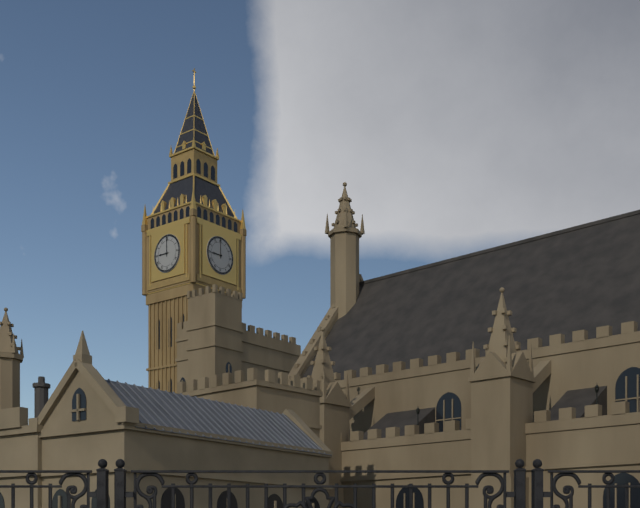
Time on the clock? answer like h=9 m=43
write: h=9 m=0
